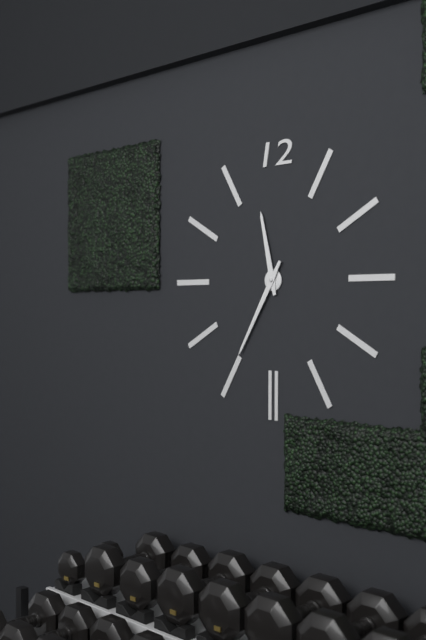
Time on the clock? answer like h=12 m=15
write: h=11 m=35
